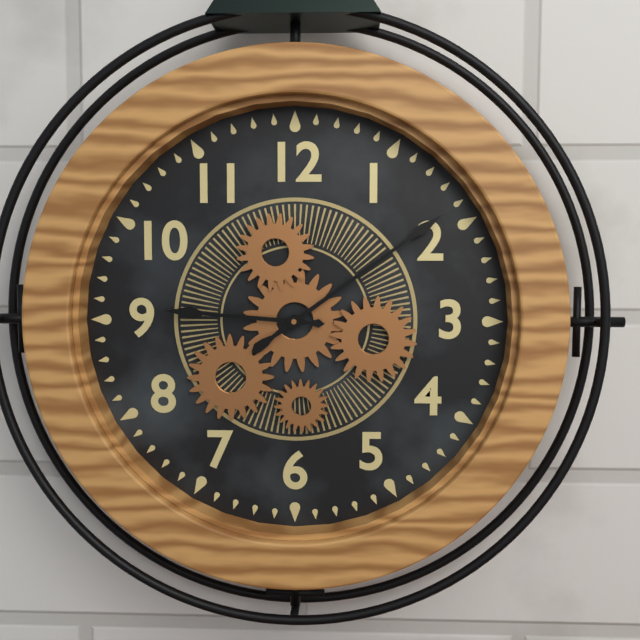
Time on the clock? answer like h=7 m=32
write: h=9 m=9
